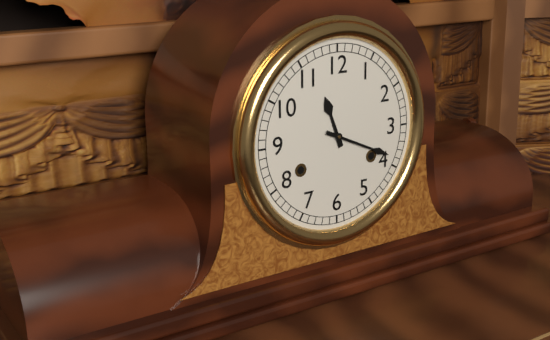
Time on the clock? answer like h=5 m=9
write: h=11 m=19
